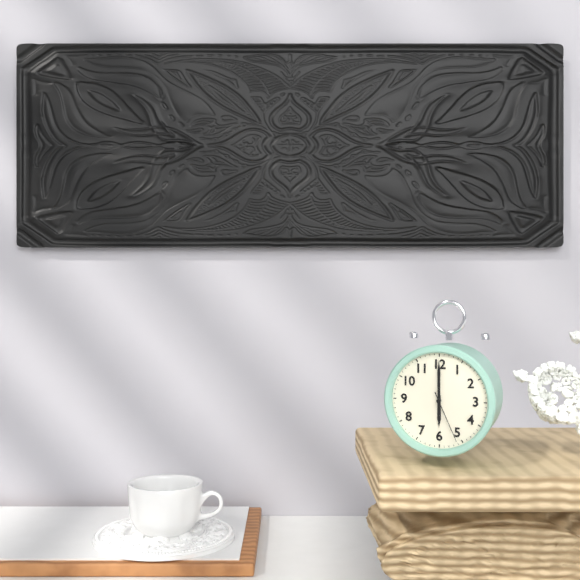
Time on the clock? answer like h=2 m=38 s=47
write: h=6 m=0 s=26
